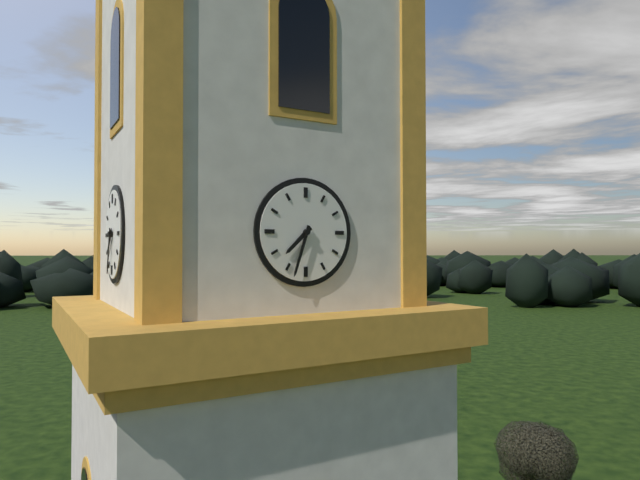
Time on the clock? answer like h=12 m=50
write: h=7 m=33
